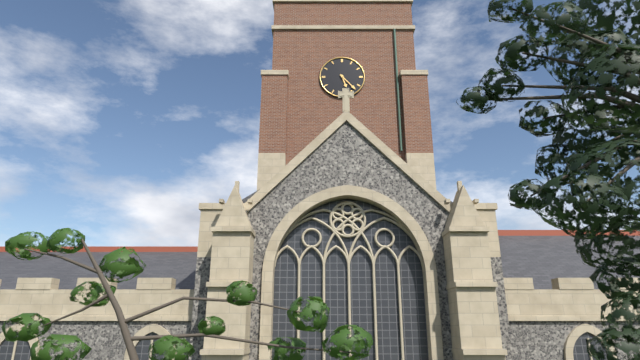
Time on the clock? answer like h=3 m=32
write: h=5 m=23
